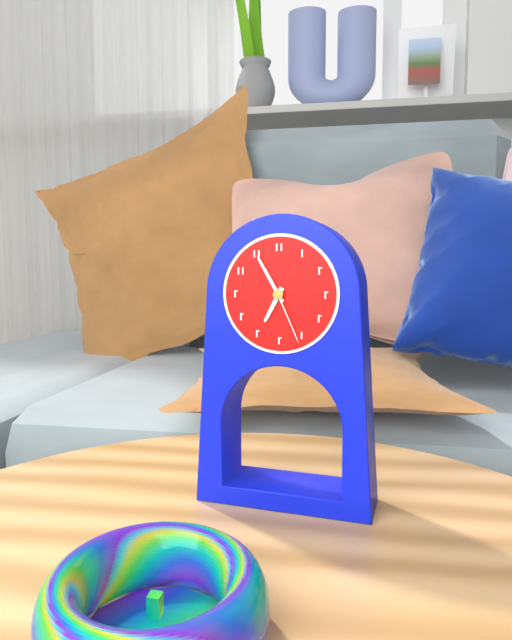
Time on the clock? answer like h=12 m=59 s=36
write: h=6 m=55 s=26
